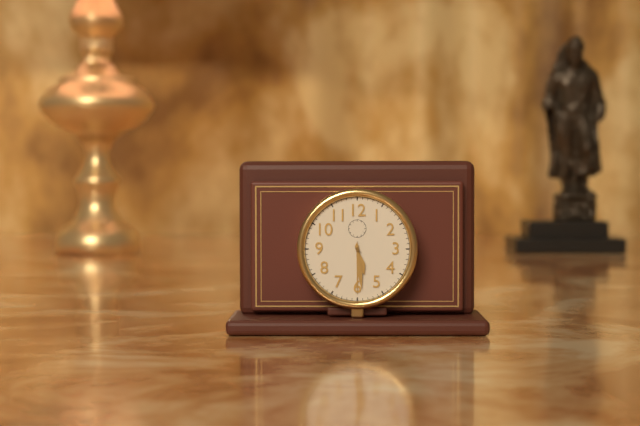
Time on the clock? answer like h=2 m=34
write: h=5 m=29
